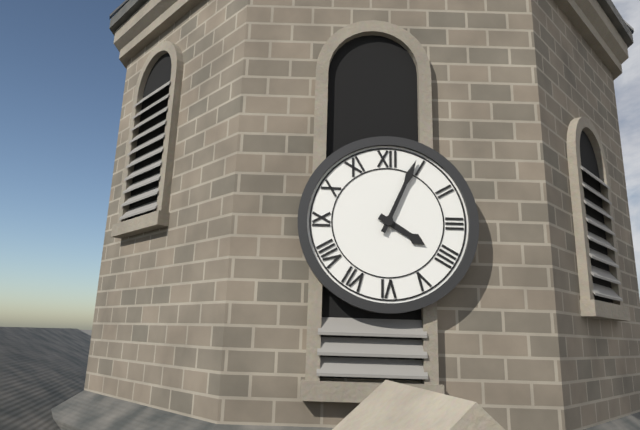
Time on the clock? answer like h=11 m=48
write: h=4 m=4
